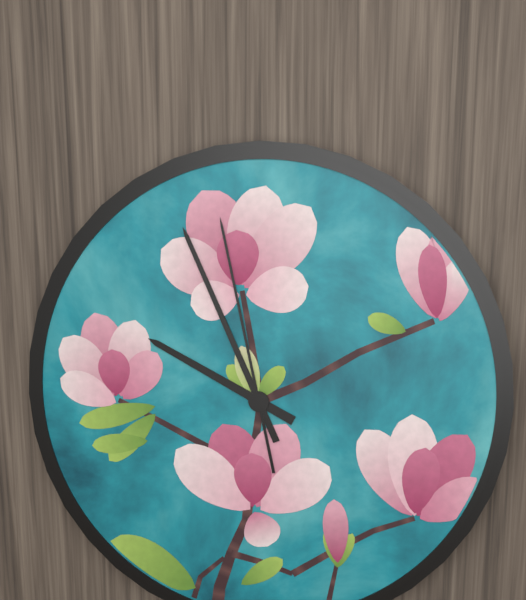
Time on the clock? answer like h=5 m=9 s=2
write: h=9 m=56 s=58
